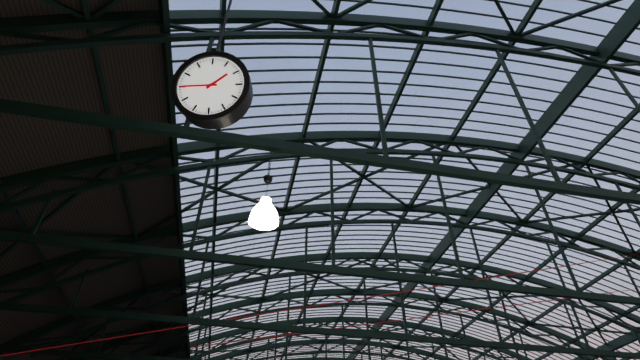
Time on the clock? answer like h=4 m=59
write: h=1 m=45
